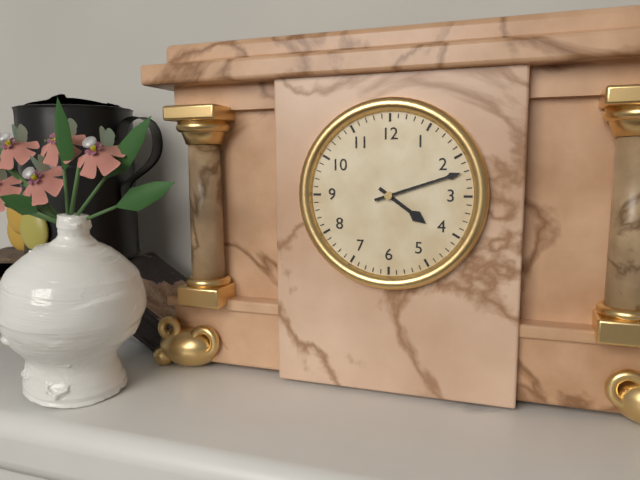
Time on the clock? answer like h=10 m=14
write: h=4 m=12
